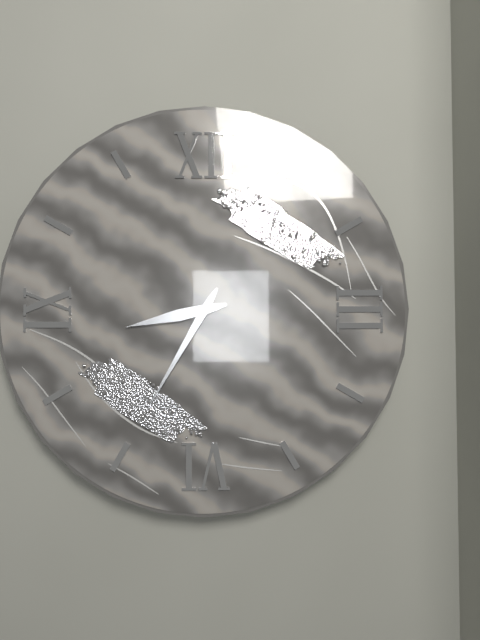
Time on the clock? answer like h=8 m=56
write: h=8 m=35
